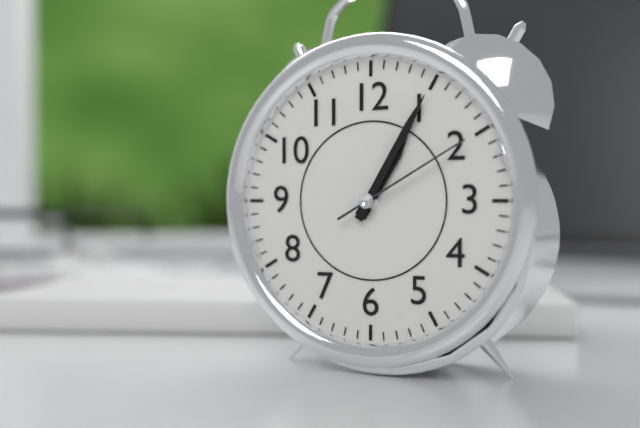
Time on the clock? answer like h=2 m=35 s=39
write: h=1 m=5 s=10
